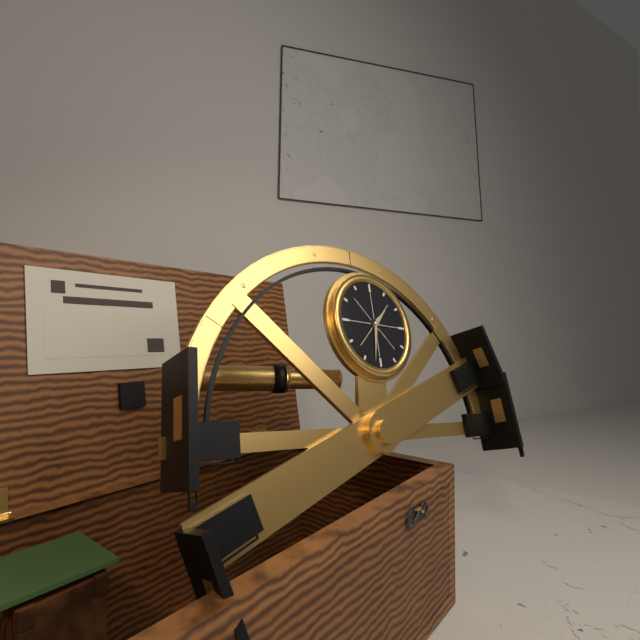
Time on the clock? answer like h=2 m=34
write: h=1 m=32
